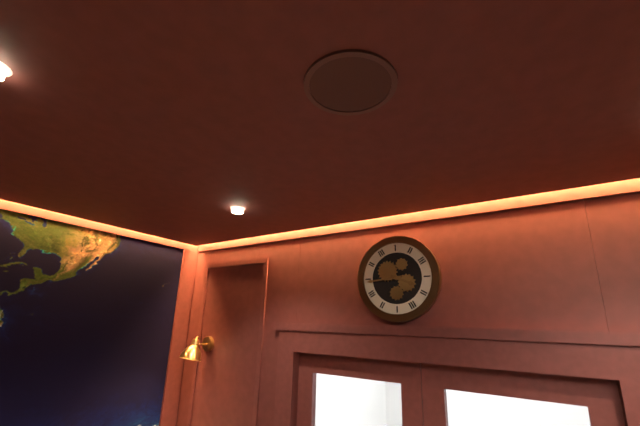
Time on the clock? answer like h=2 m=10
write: h=3 m=44
